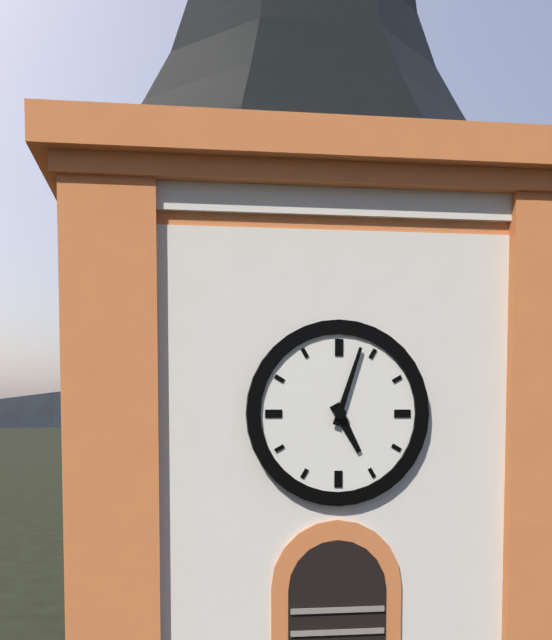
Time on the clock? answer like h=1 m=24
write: h=5 m=3
